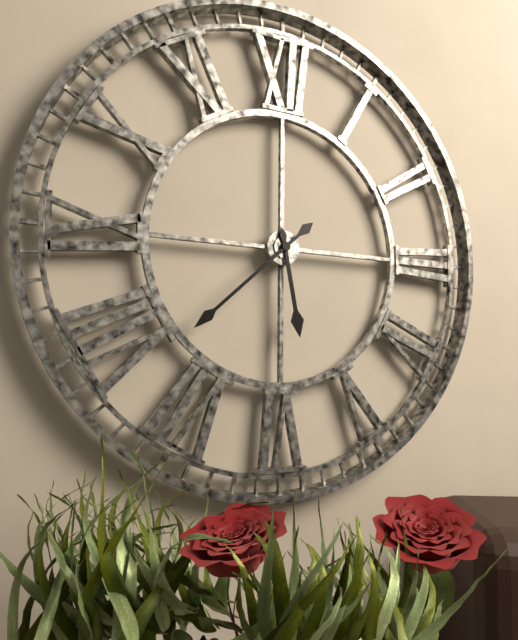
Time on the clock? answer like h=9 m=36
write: h=5 m=38
